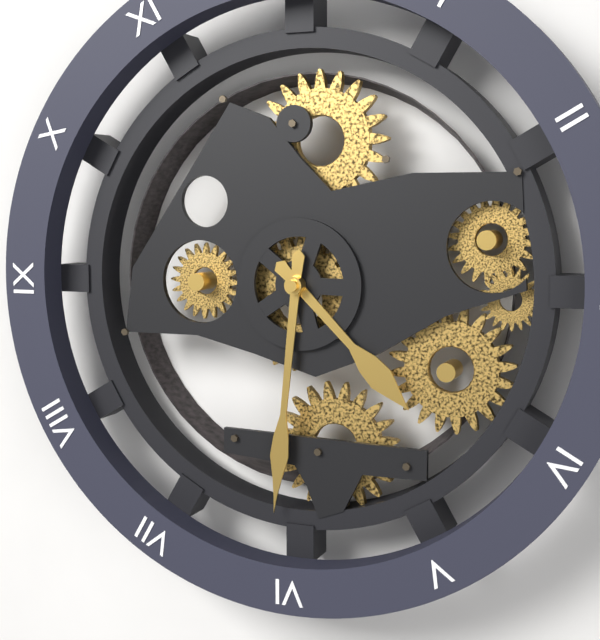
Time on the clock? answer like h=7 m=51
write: h=4 m=31
